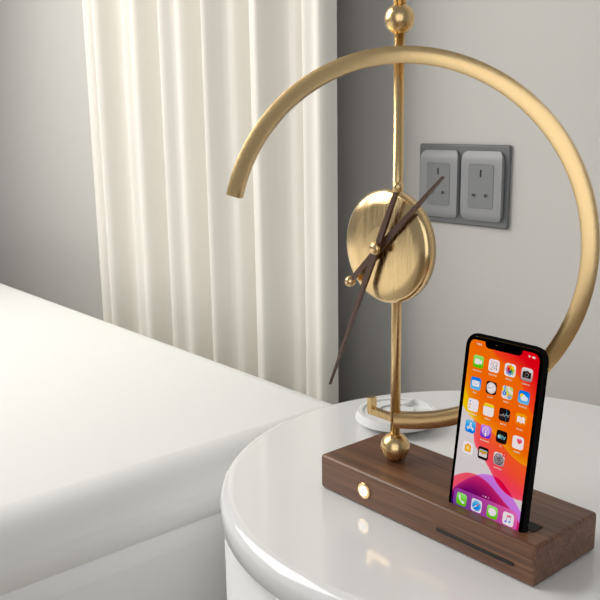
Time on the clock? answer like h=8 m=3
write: h=1 m=34
